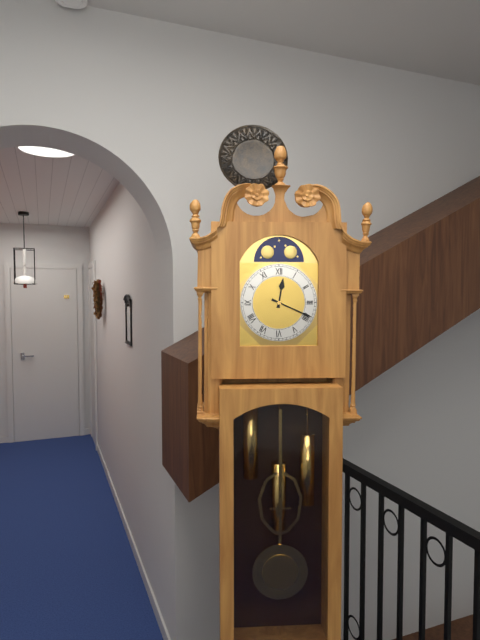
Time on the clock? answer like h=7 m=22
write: h=12 m=19
